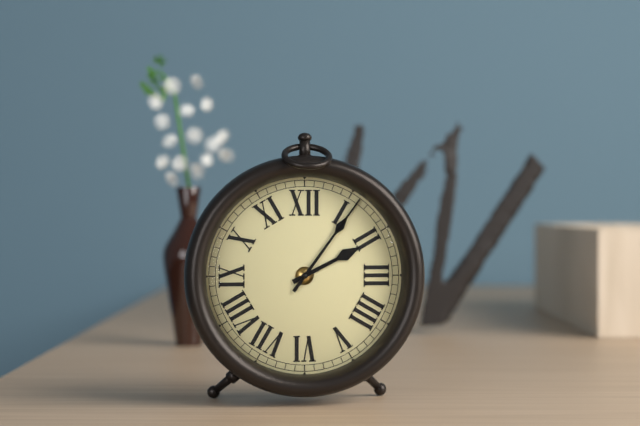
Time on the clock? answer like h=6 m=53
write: h=2 m=6
